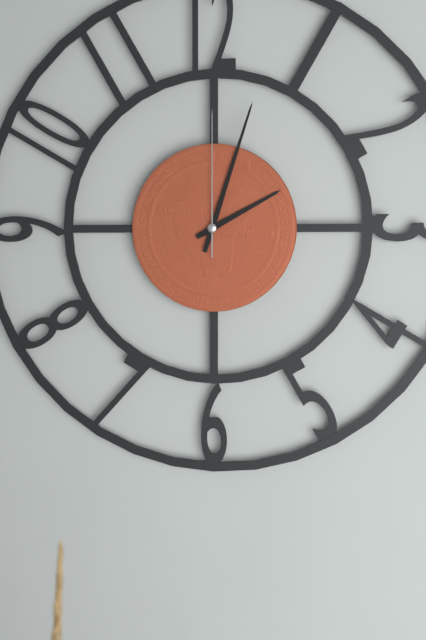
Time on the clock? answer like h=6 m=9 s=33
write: h=2 m=3 s=0
